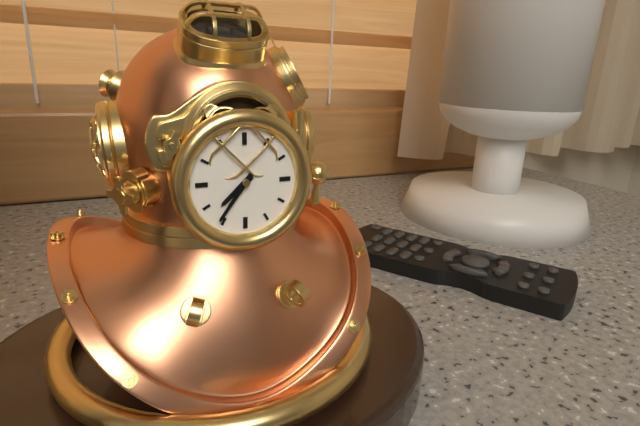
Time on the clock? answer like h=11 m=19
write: h=7 m=36
